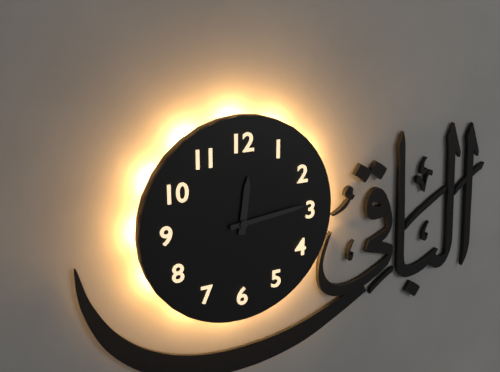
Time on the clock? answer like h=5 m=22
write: h=12 m=14
